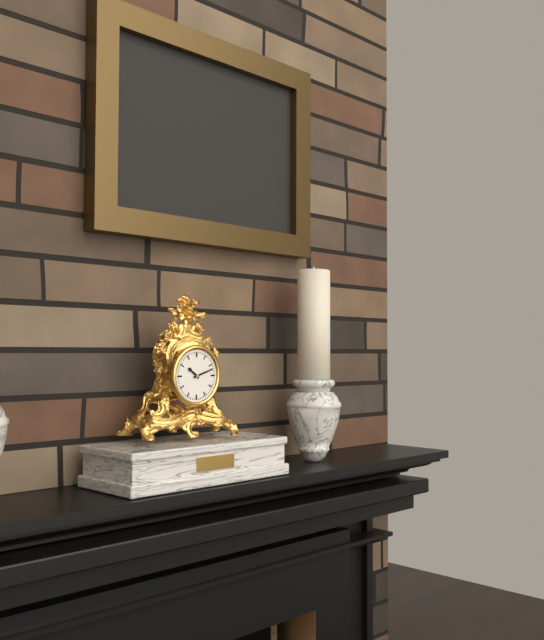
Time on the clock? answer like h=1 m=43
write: h=10 m=12
